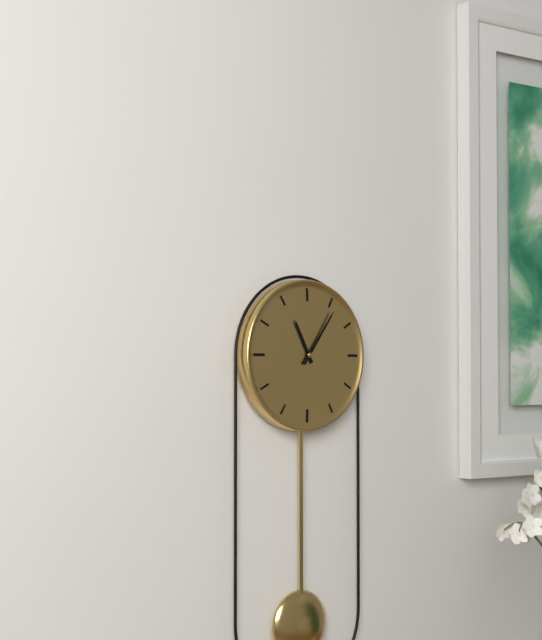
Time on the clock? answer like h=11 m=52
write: h=11 m=6
